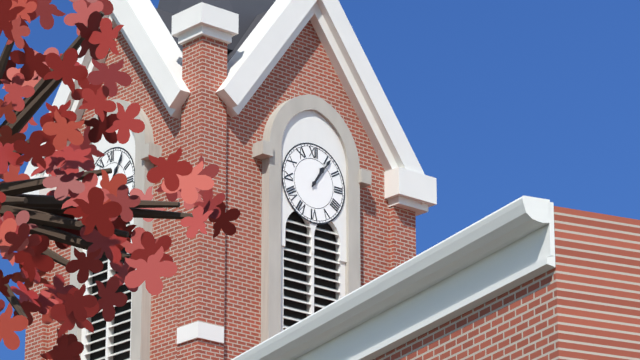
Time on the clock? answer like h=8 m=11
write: h=1 m=6
